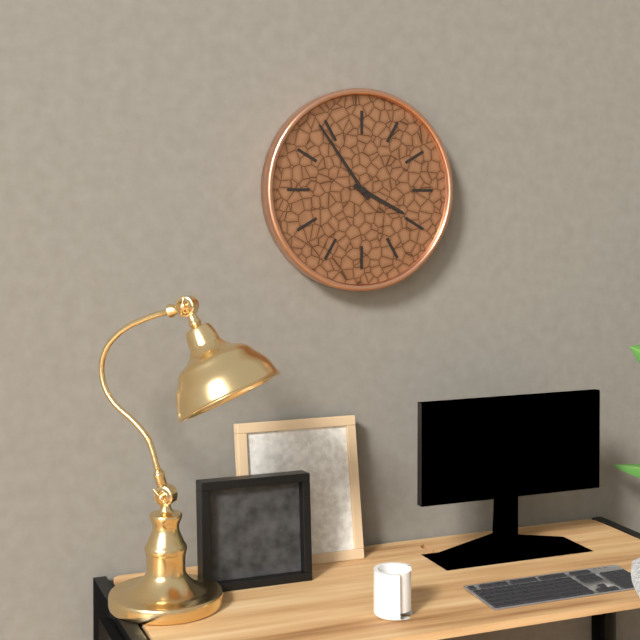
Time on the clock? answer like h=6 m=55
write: h=3 m=54
